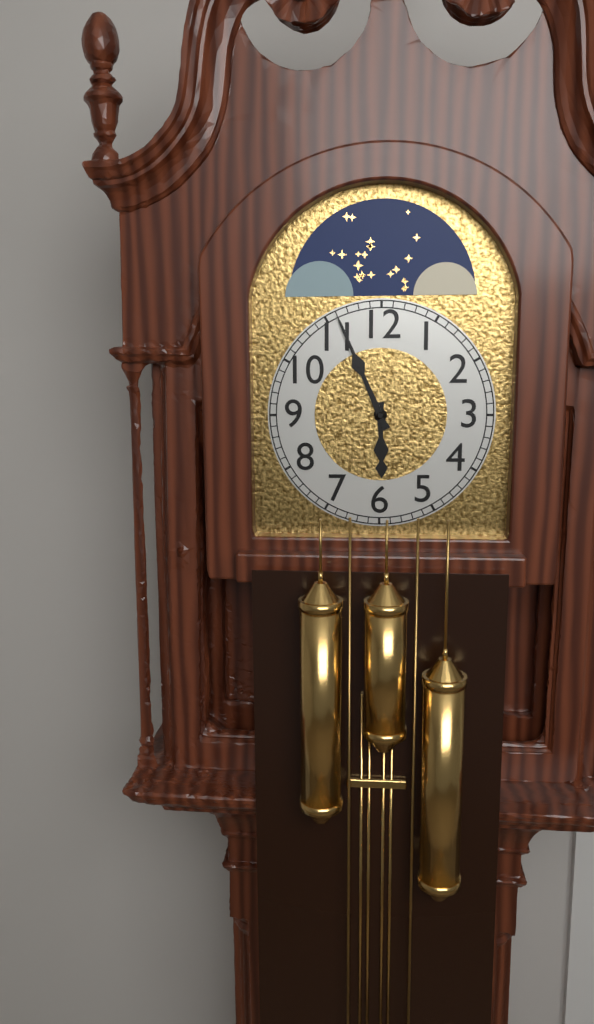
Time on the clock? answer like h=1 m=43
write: h=5 m=56
